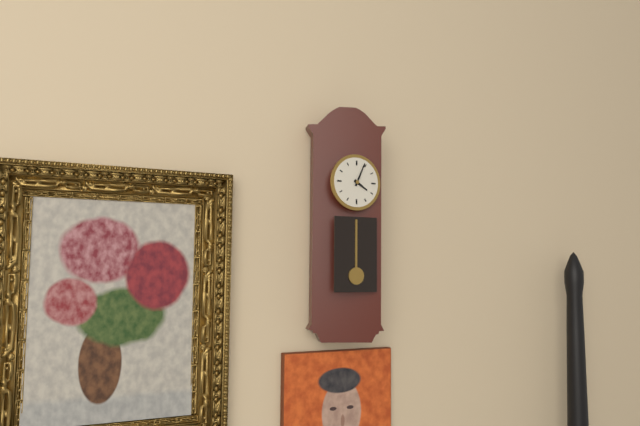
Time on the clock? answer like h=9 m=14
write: h=4 m=4
